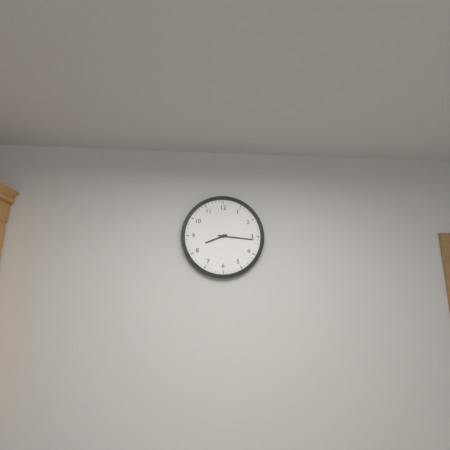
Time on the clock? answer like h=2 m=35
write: h=8 m=16
